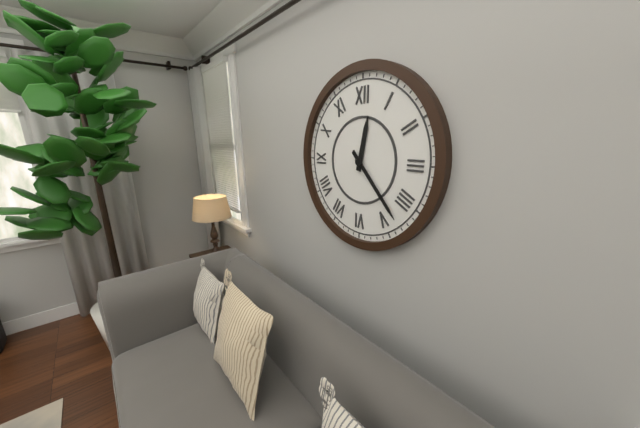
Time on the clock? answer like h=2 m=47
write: h=12 m=23
